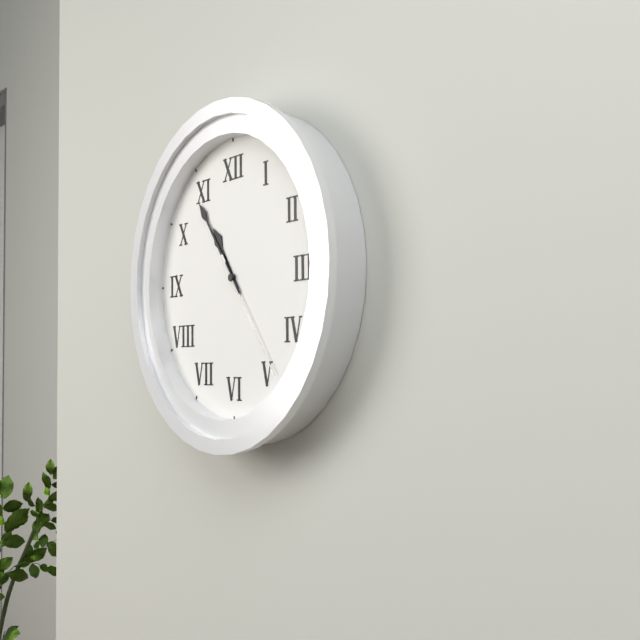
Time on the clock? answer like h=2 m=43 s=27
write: h=10 m=54 s=24
